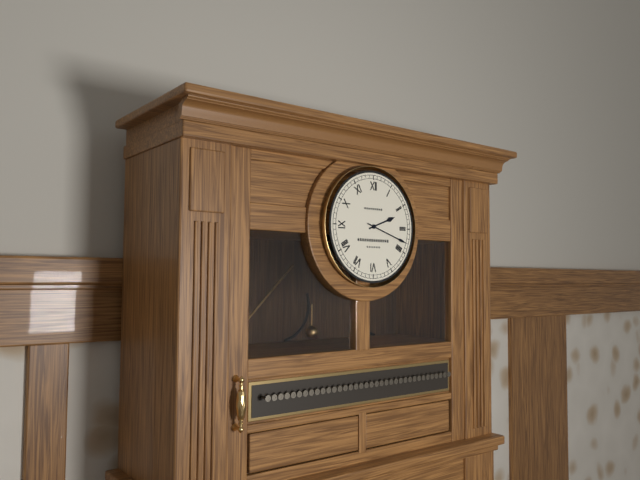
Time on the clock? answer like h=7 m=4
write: h=2 m=18
